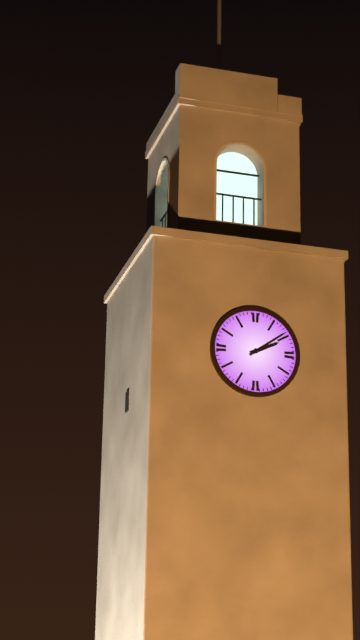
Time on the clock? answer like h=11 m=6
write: h=2 m=9
